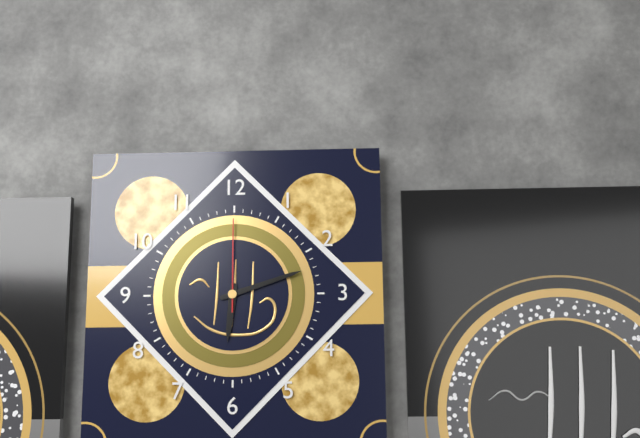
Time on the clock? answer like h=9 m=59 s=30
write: h=6 m=12 s=0
